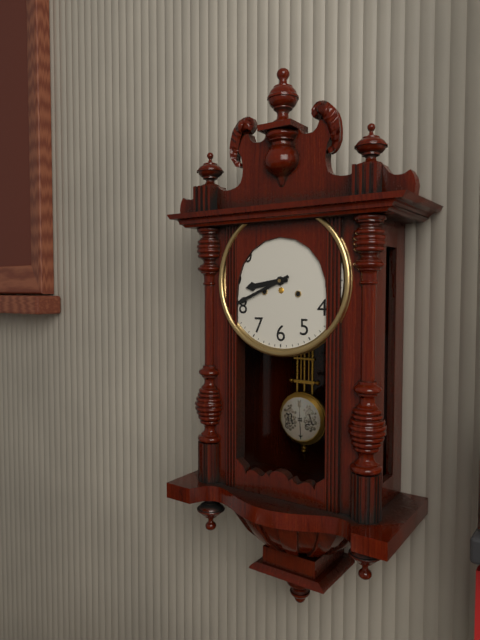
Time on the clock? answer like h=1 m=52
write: h=8 m=41
